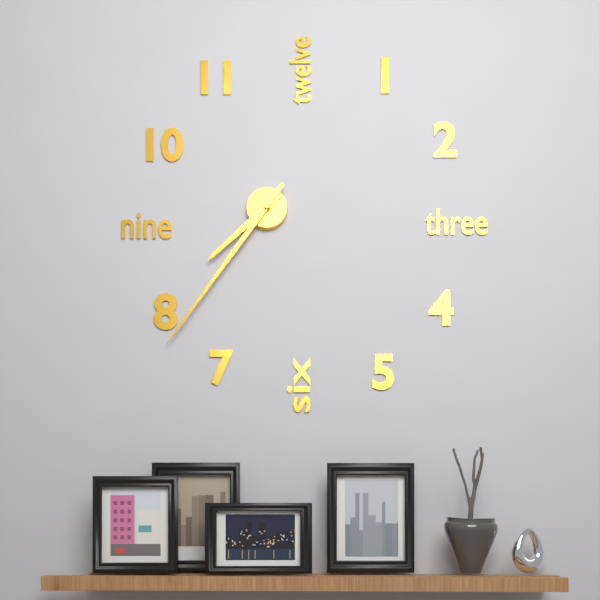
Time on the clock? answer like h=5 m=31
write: h=7 m=36
